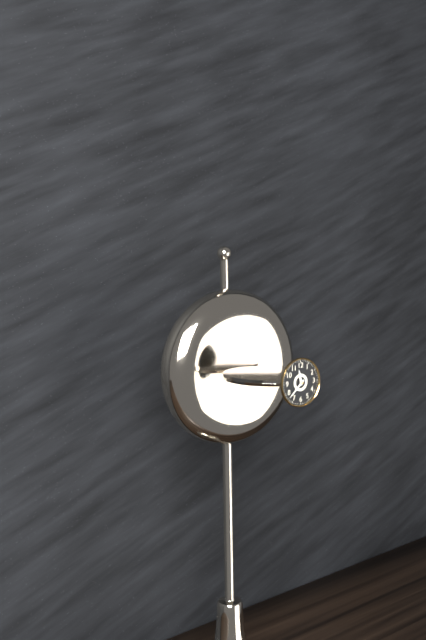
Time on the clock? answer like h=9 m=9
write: h=11 m=38
